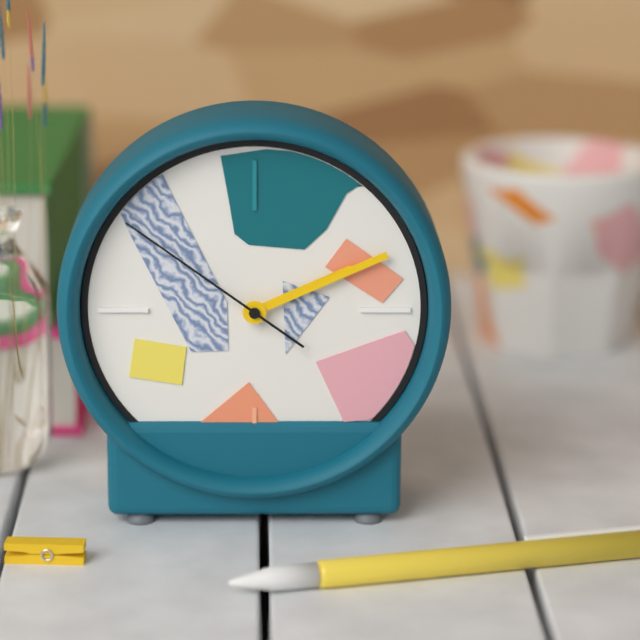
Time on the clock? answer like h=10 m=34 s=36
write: h=2 m=11 s=51
